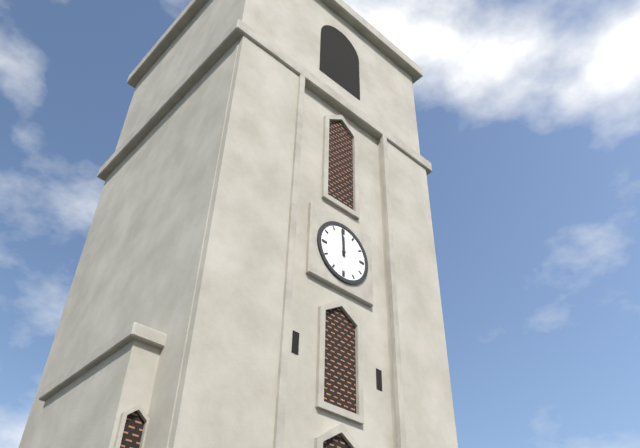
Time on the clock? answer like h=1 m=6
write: h=11 m=59
